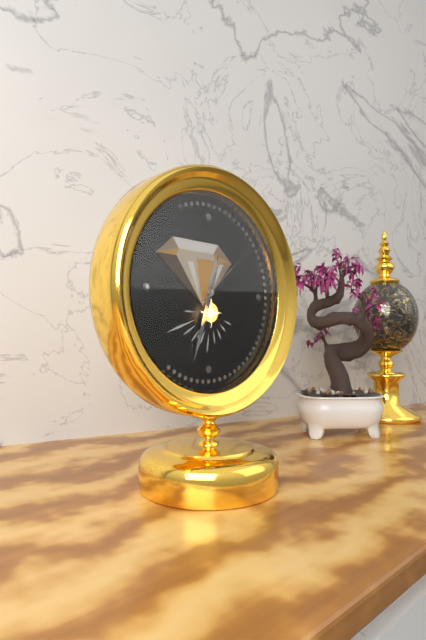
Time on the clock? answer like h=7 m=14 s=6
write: h=12 m=33 s=8
